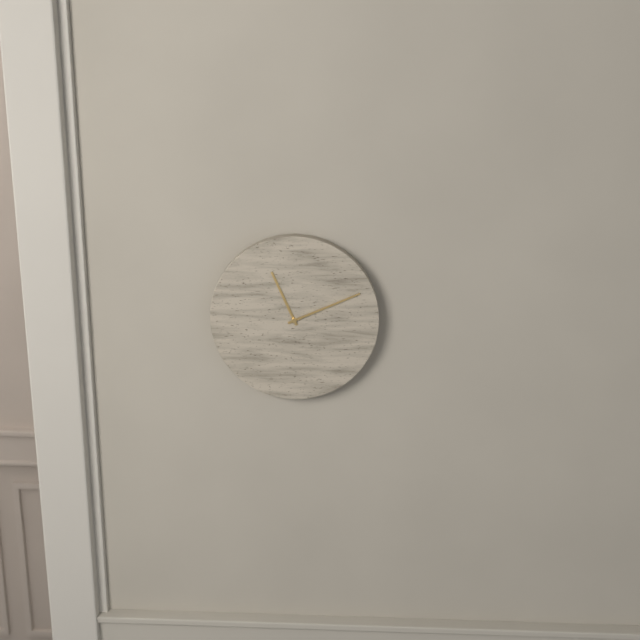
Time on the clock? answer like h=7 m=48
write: h=11 m=11
